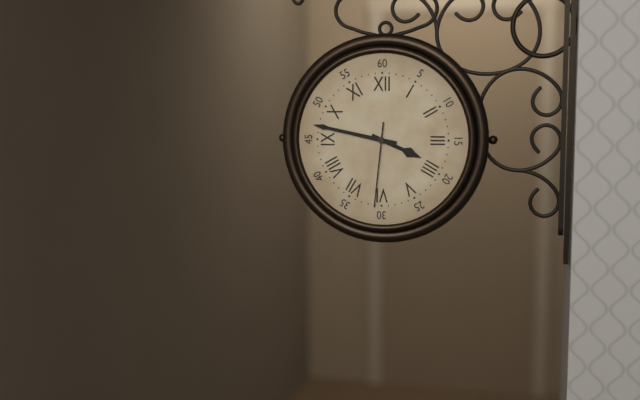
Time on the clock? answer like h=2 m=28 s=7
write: h=3 m=47 s=31
